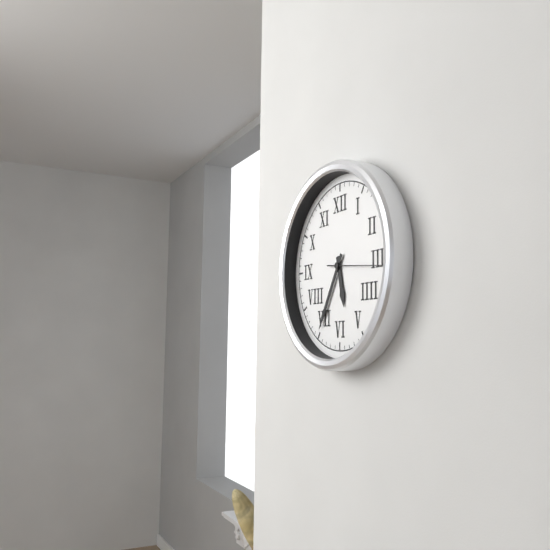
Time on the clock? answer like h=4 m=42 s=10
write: h=5 m=35 s=16
